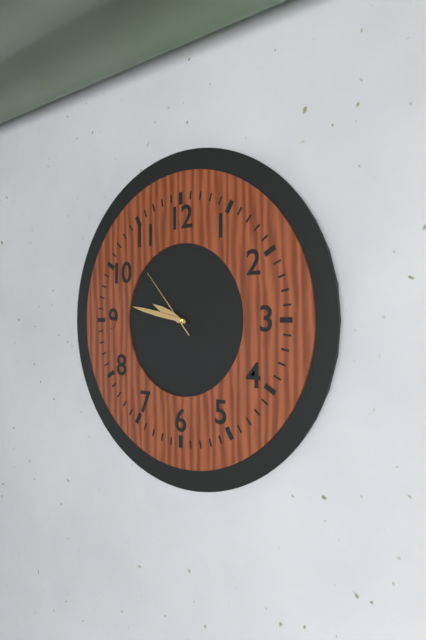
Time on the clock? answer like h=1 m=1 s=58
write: h=9 m=47 s=53
